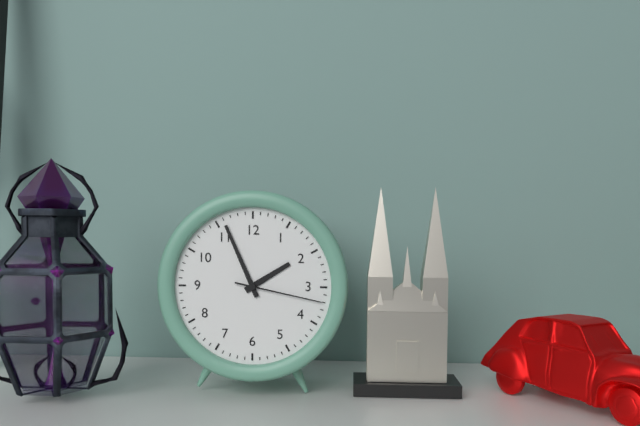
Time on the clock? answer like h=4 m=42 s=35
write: h=1 m=56 s=17
